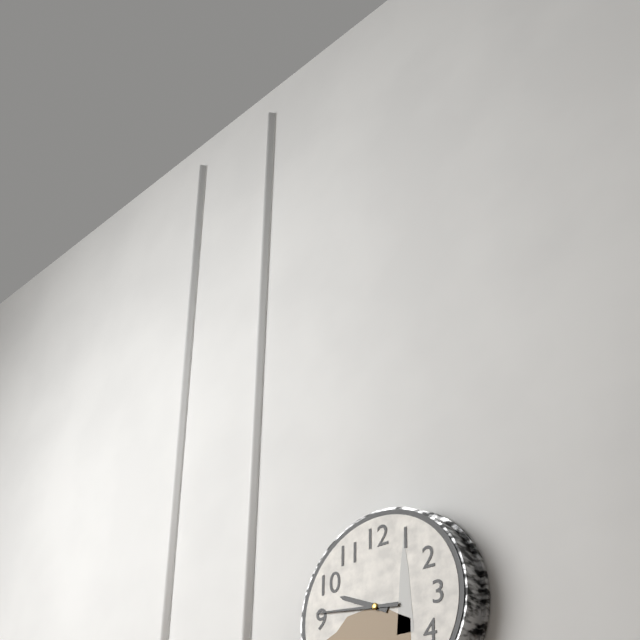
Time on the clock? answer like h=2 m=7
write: h=9 m=46
